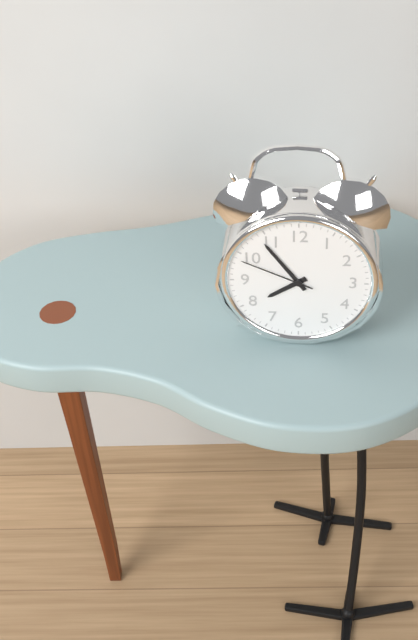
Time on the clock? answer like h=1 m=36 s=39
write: h=7 m=54 s=49
